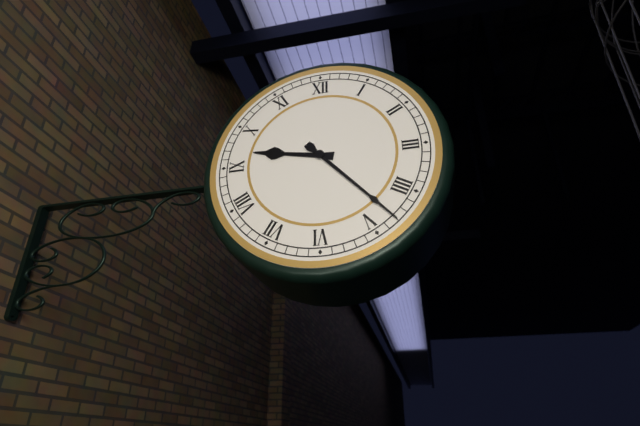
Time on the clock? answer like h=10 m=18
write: h=9 m=23
